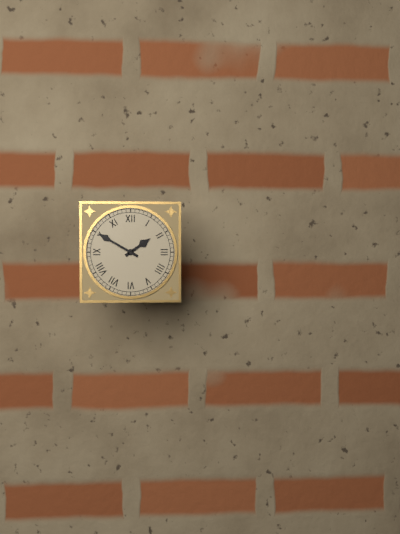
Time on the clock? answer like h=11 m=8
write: h=1 m=50
